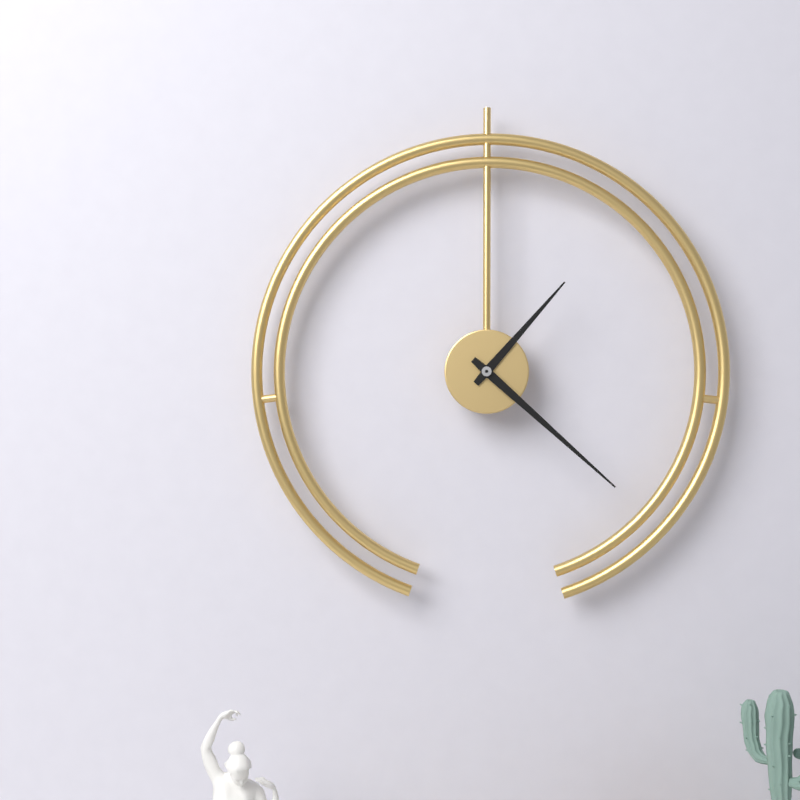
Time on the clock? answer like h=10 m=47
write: h=1 m=22
